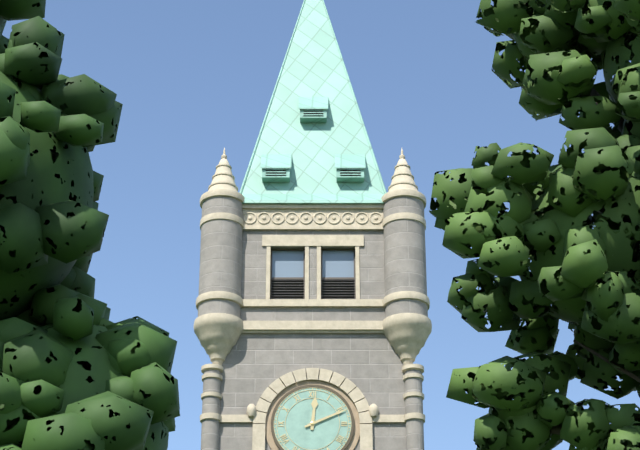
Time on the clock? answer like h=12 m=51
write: h=12 m=11
